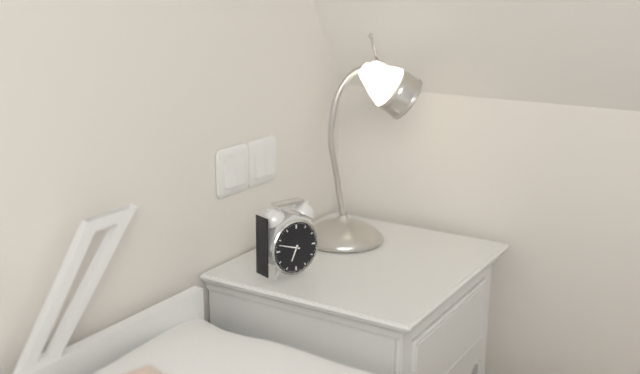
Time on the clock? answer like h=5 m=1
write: h=6 m=48
